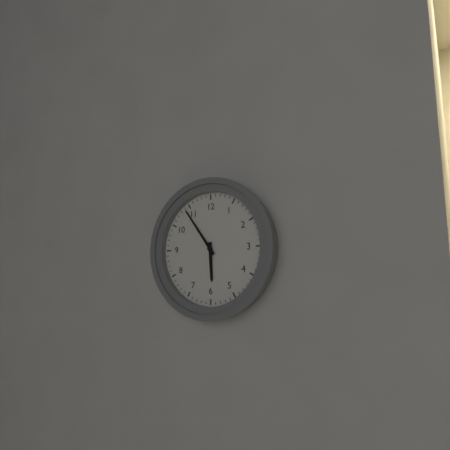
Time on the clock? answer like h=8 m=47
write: h=5 m=54
